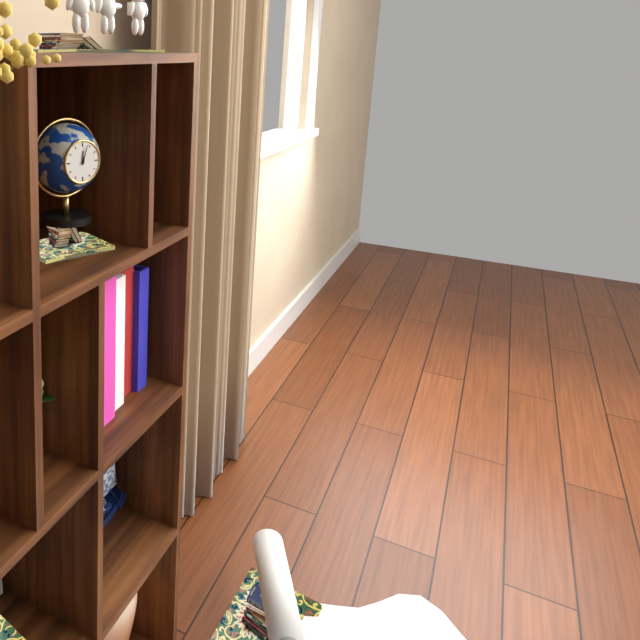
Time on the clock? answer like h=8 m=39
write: h=12 m=3
